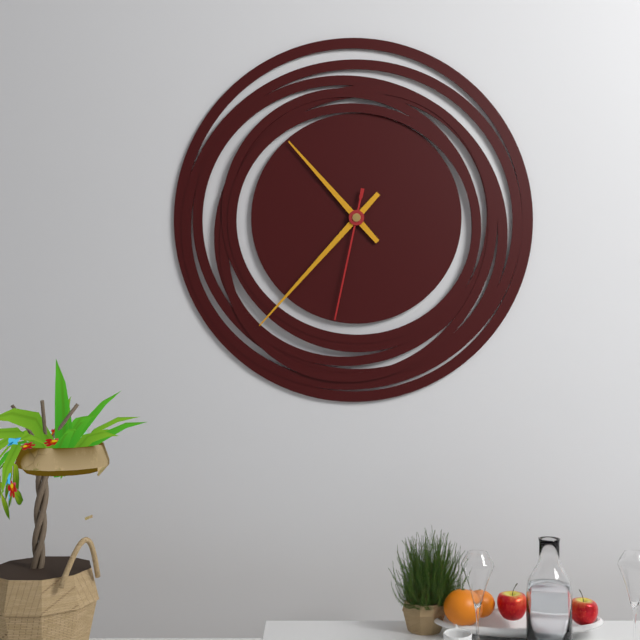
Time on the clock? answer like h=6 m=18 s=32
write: h=10 m=37 s=32
